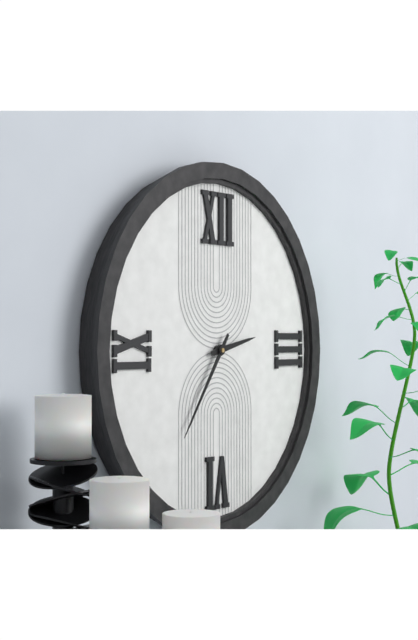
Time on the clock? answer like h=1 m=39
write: h=2 m=36
